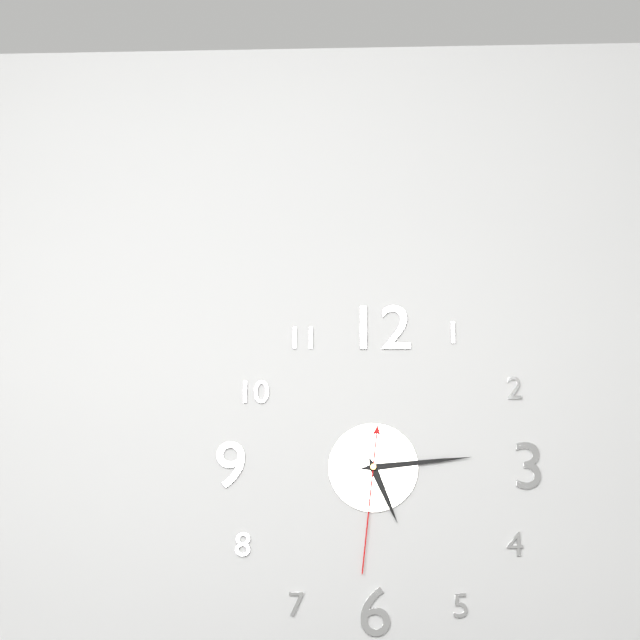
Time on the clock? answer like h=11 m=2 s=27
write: h=5 m=14 s=31
